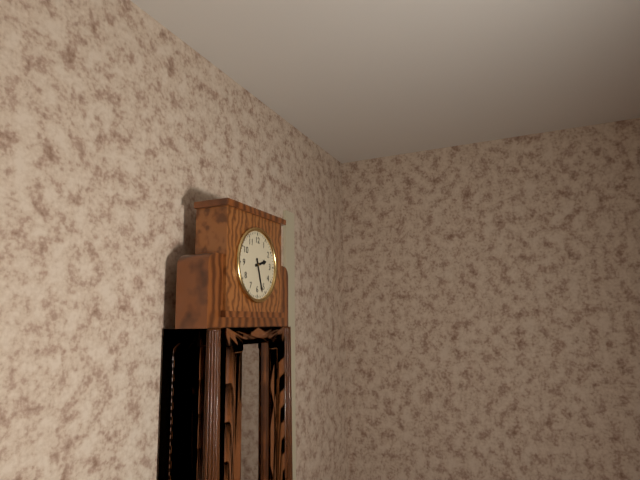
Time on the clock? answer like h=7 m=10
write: h=2 m=27
